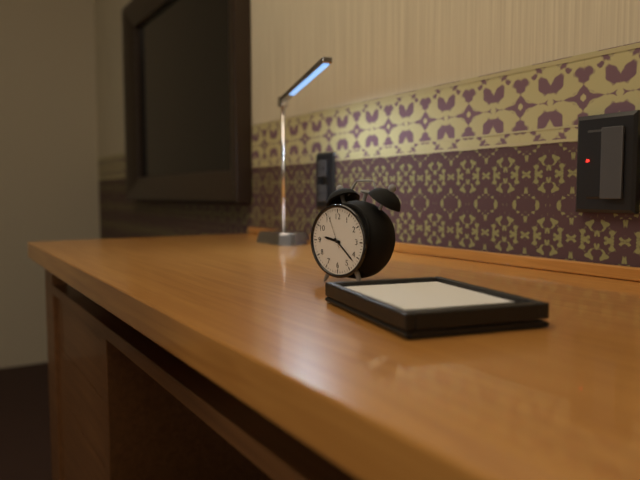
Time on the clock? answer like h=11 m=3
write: h=9 m=22
